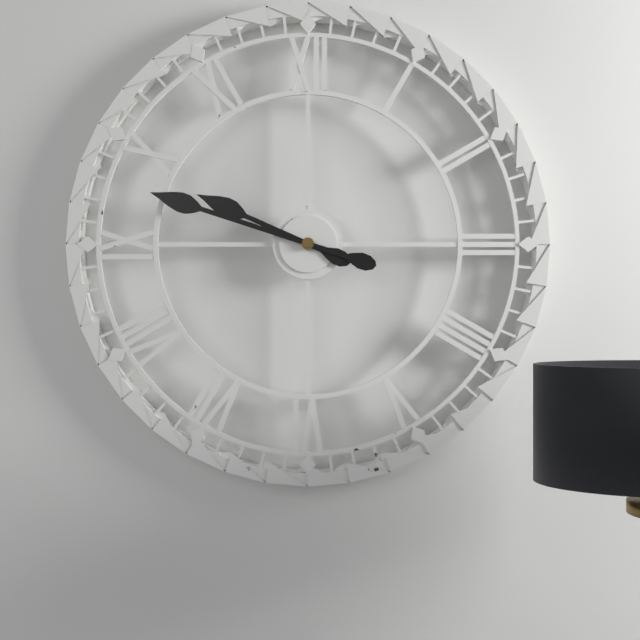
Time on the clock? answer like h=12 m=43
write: h=9 m=48
